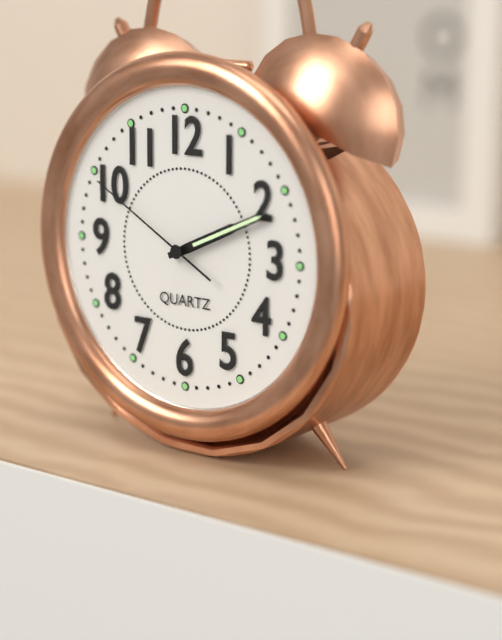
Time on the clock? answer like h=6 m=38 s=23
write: h=2 m=11 s=50
